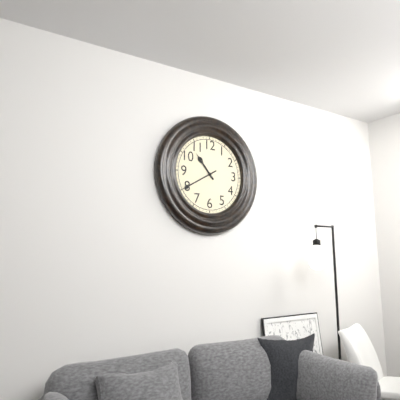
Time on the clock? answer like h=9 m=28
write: h=10 m=40
